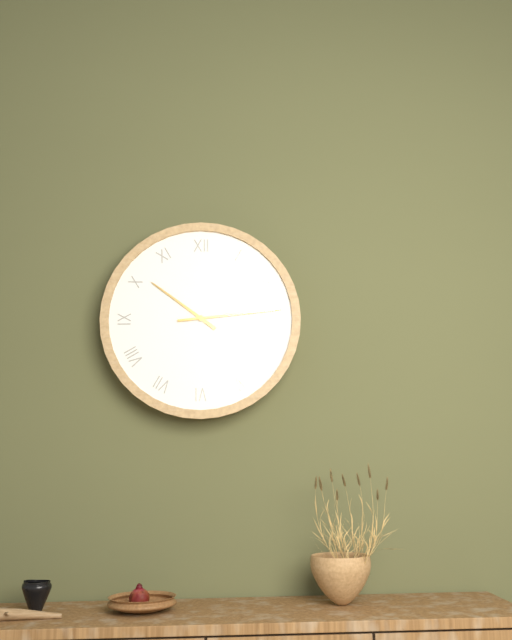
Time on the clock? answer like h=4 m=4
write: h=10 m=14
